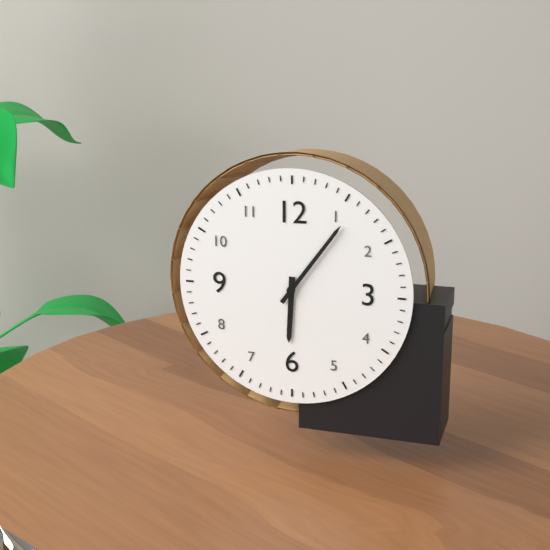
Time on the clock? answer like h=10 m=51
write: h=6 m=6
